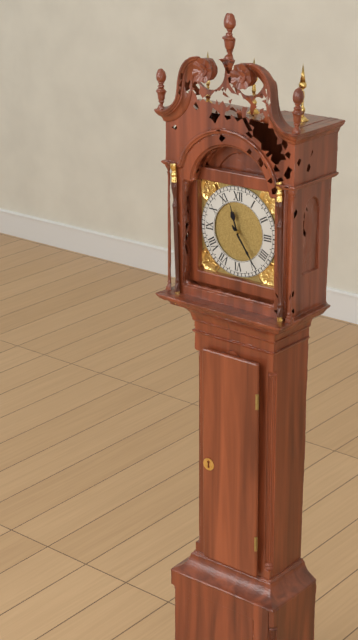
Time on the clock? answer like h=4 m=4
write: h=11 m=24
